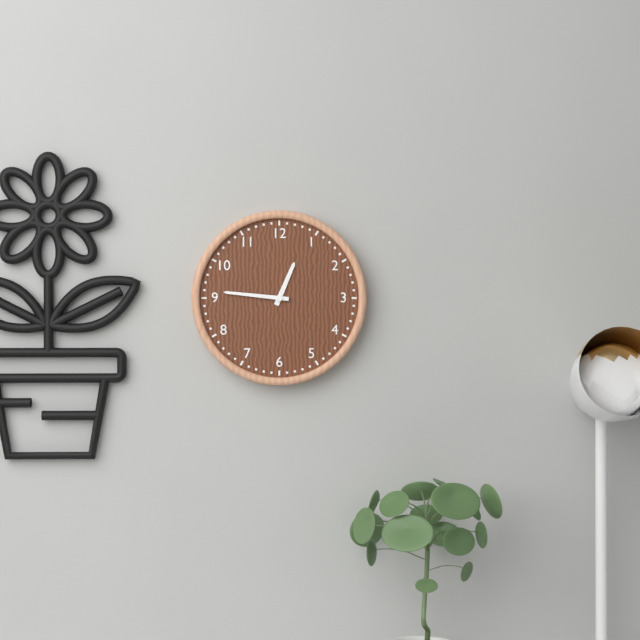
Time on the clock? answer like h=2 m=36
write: h=12 m=46
